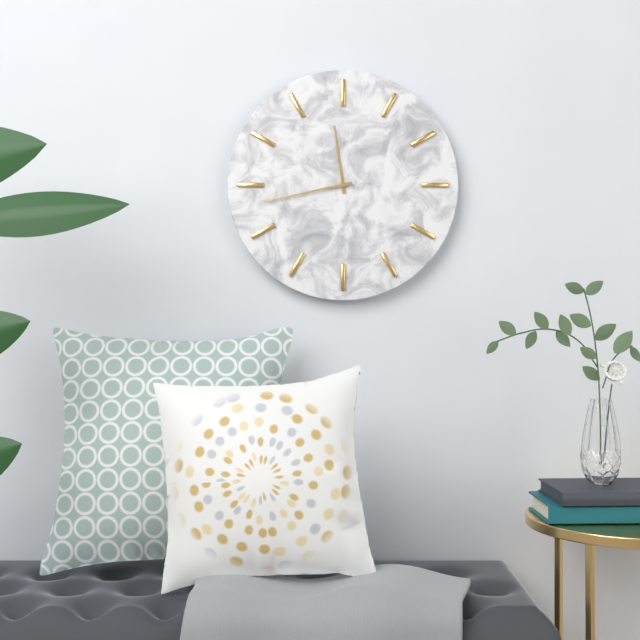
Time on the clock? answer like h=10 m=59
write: h=11 m=43
